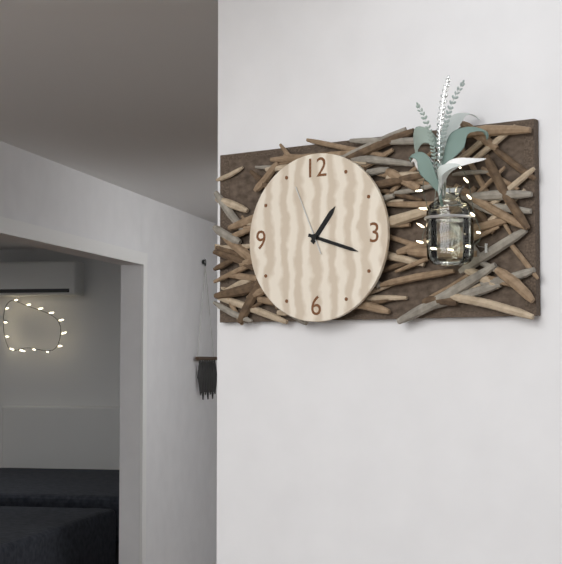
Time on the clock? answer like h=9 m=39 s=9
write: h=1 m=18 s=56
